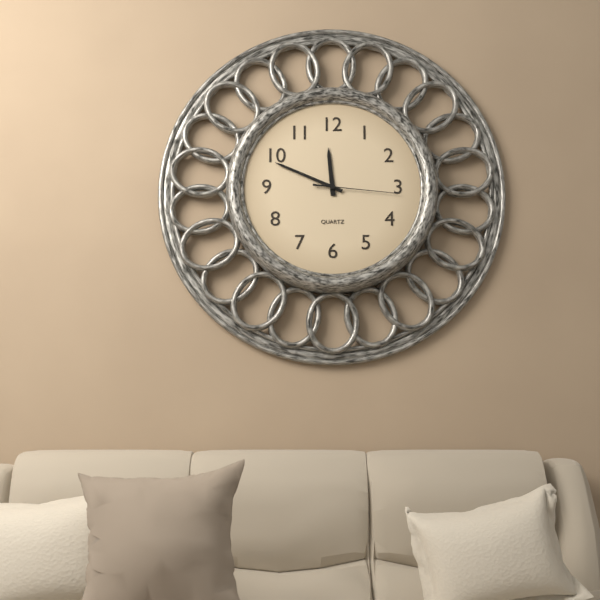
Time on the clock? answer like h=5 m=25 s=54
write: h=11 m=49 s=16
